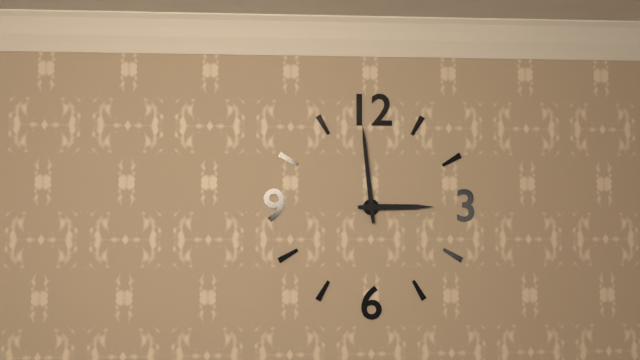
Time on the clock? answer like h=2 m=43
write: h=2 m=59
